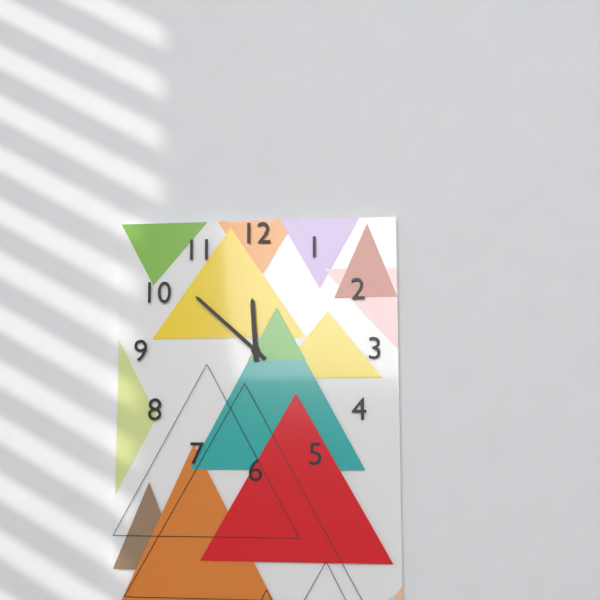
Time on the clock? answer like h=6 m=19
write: h=11 m=52
